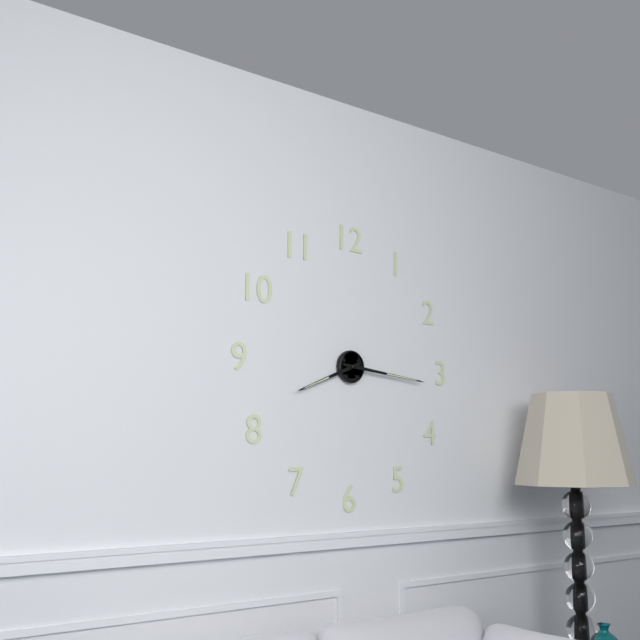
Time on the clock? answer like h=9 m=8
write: h=8 m=16
